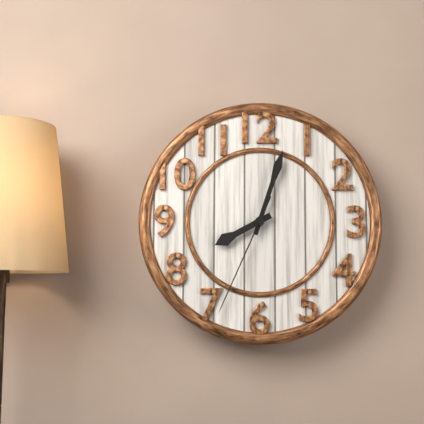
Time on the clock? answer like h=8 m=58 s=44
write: h=8 m=3 s=34
